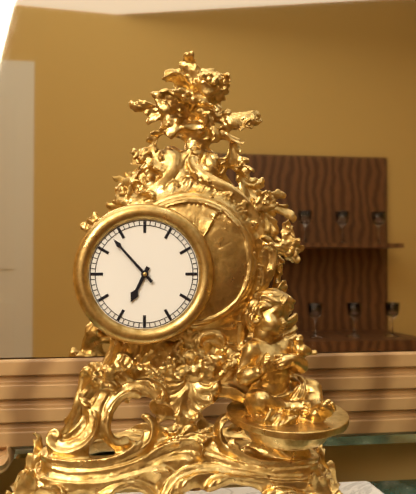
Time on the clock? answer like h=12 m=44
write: h=6 m=53
